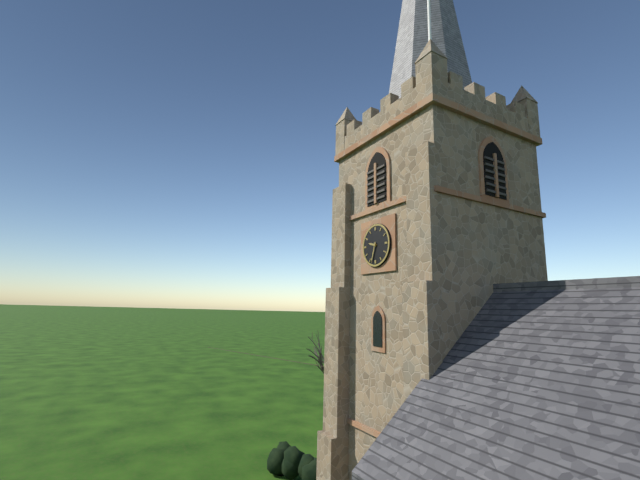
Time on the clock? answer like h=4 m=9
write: h=9 m=33
